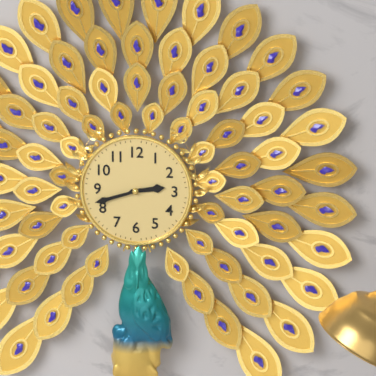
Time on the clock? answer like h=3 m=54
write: h=2 m=42
